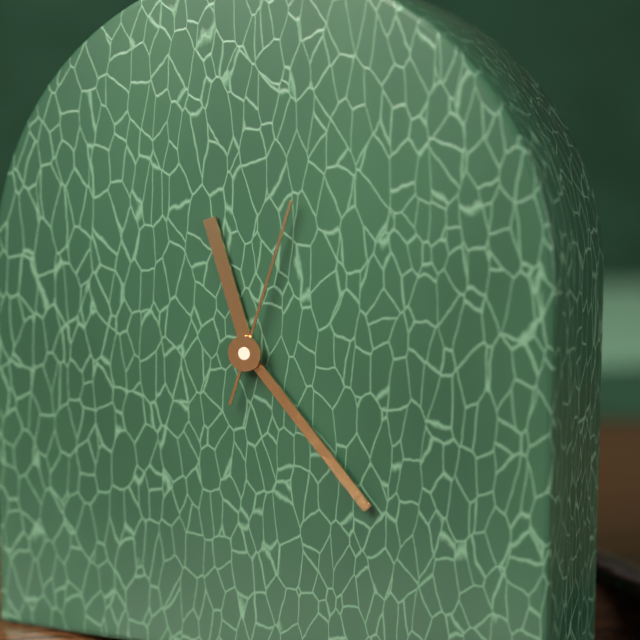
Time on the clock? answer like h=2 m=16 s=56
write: h=11 m=23 s=3
